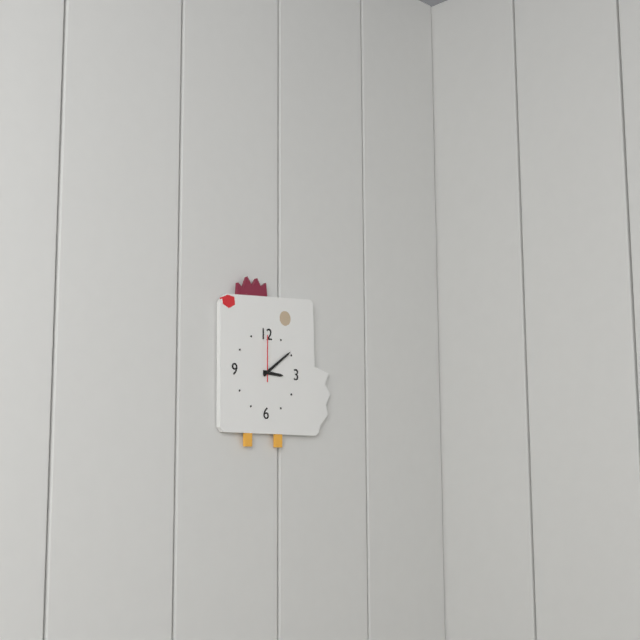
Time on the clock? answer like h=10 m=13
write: h=3 m=9
